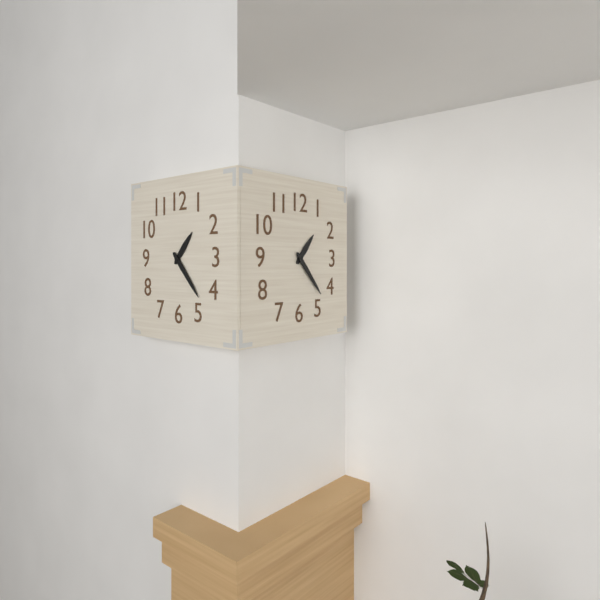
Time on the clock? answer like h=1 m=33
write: h=1 m=23
